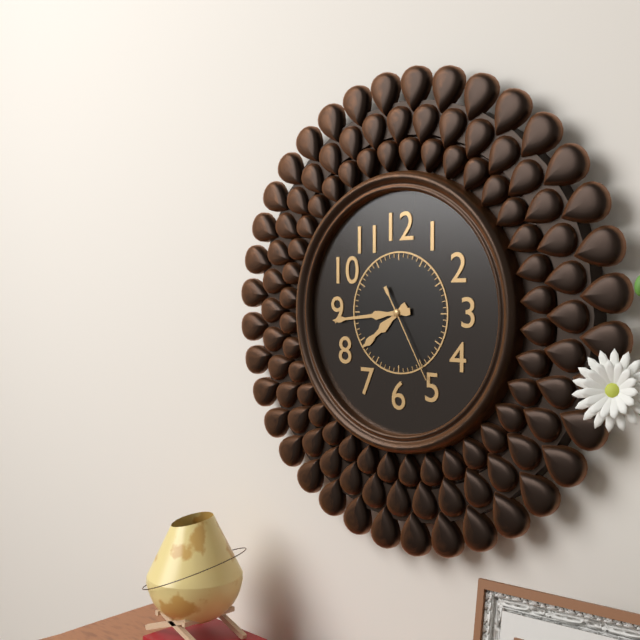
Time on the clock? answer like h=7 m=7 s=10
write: h=7 m=44 s=25
